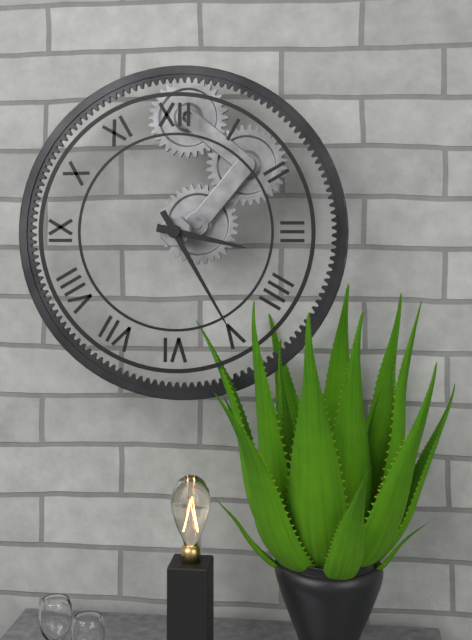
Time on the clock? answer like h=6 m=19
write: h=3 m=25
